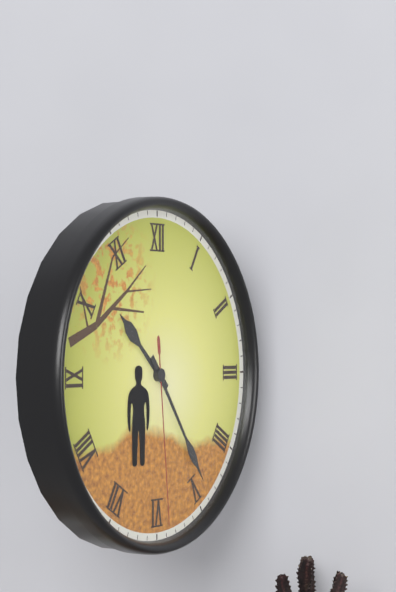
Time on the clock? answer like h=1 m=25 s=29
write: h=10 m=24 s=29
